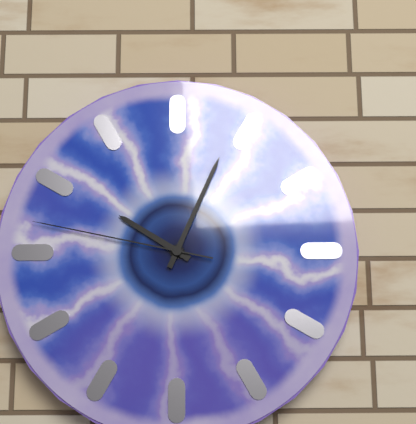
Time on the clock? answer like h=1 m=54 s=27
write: h=10 m=4 s=47
